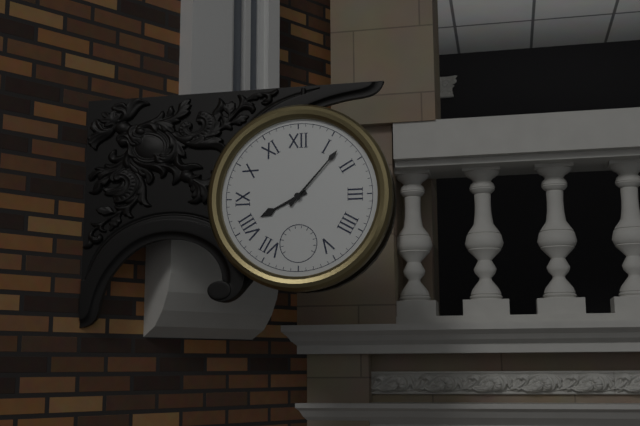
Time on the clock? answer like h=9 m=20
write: h=8 m=7
